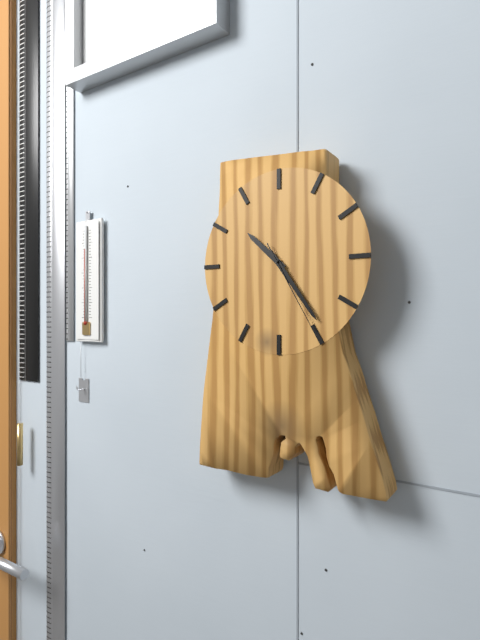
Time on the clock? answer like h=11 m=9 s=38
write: h=10 m=24 s=25
